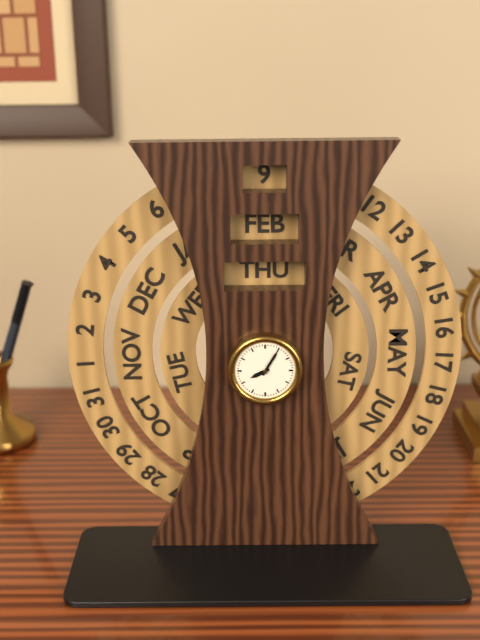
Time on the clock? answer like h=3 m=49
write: h=8 m=5
